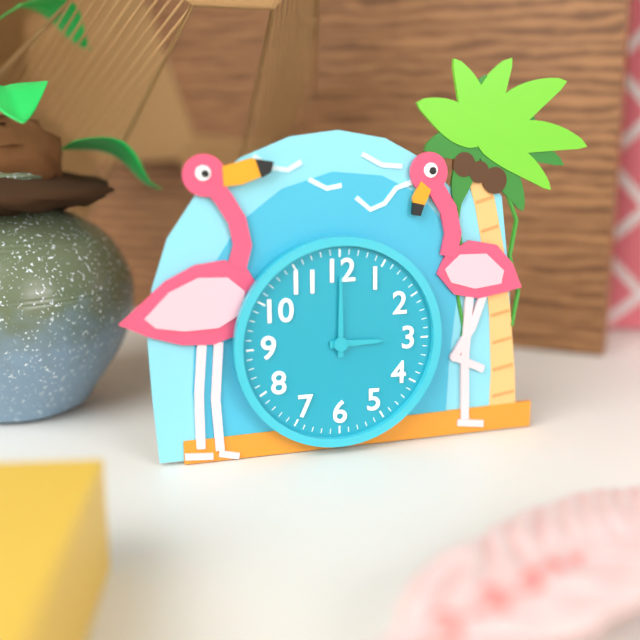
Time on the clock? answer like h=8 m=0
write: h=3 m=0
